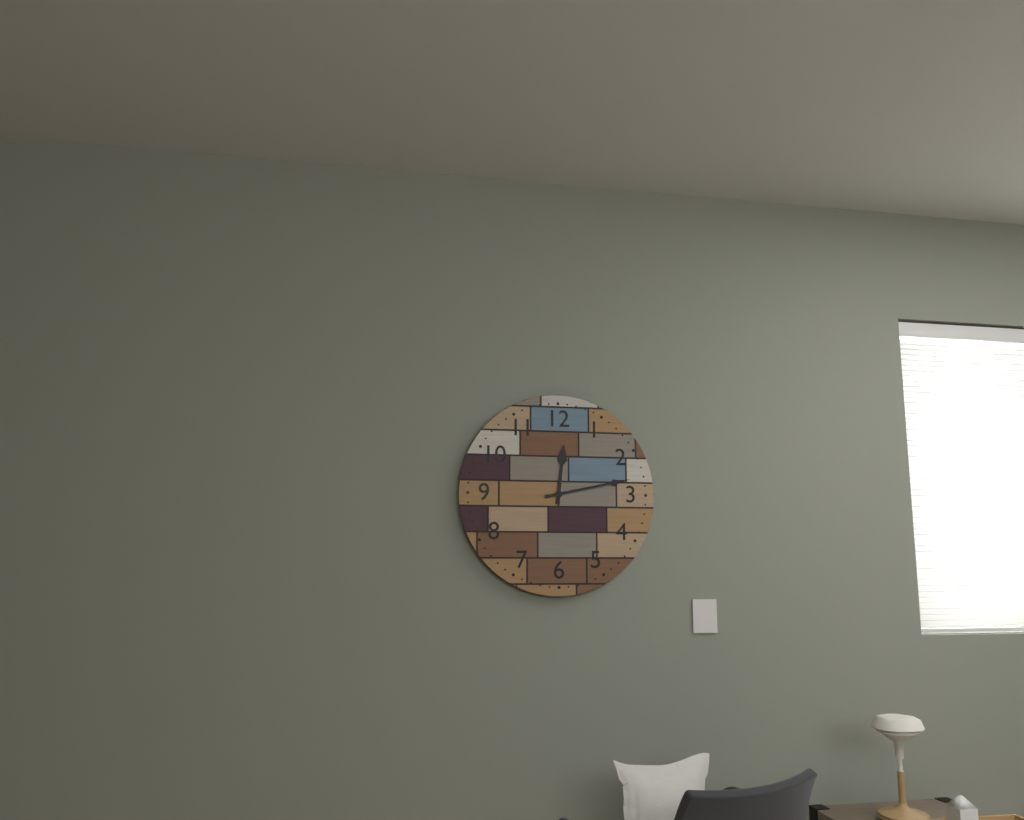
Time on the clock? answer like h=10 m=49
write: h=12 m=13
